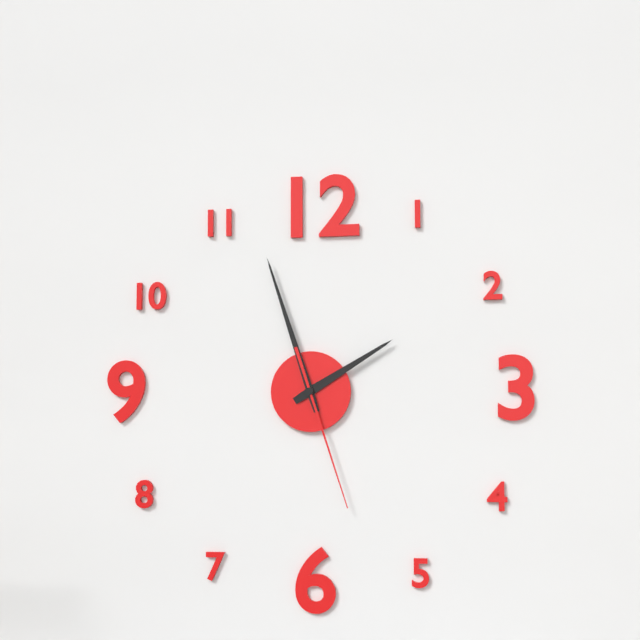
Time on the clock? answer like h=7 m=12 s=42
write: h=1 m=57 s=27
